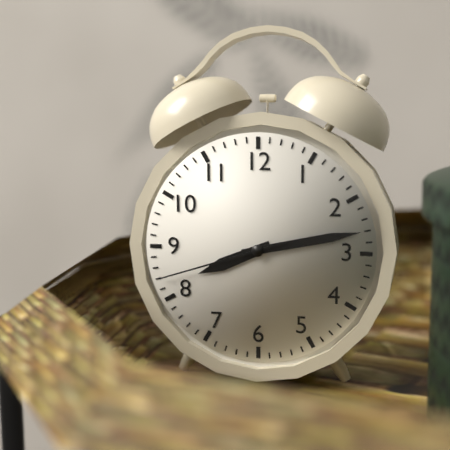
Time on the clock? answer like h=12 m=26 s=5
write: h=8 m=13 s=42
